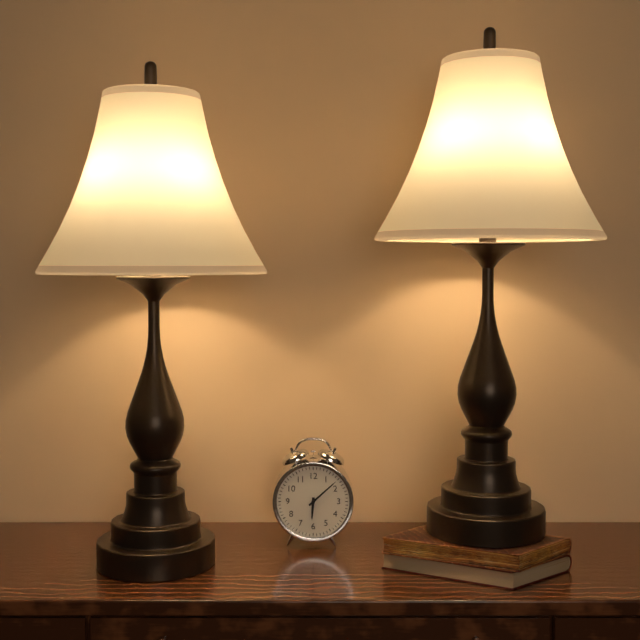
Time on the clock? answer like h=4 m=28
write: h=6 m=8
